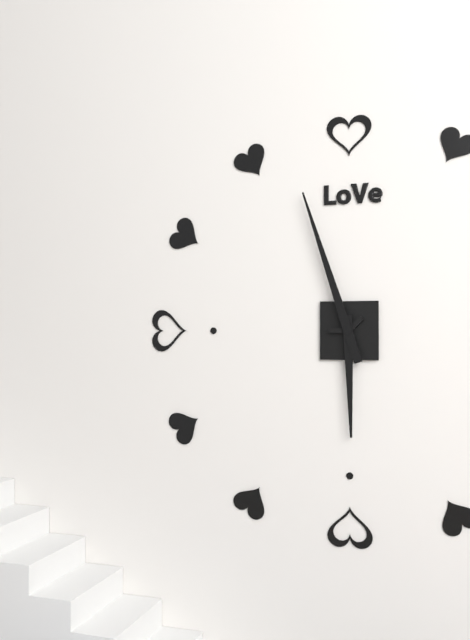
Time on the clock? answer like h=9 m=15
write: h=5 m=57
